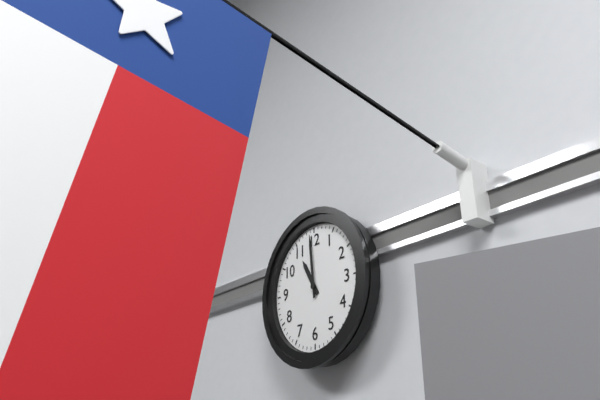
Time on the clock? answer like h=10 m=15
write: h=10 m=59
